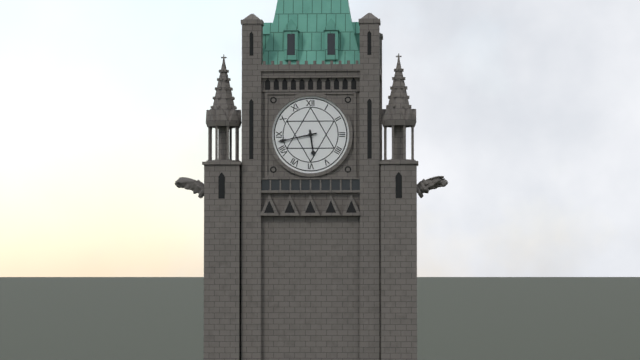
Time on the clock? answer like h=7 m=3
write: h=5 m=43
